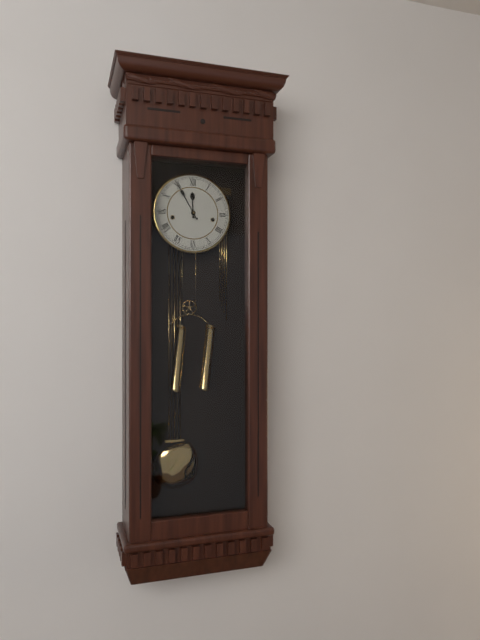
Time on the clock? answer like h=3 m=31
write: h=11 m=55
